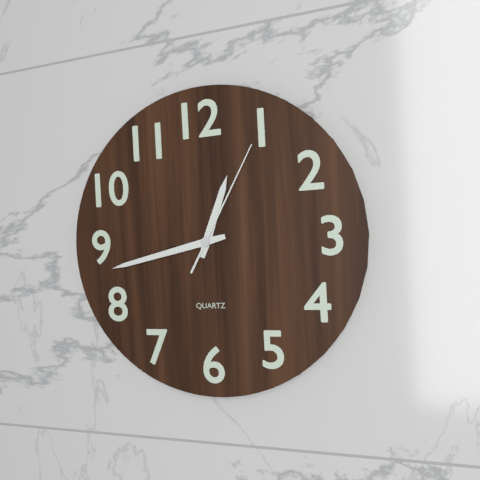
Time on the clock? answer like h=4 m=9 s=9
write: h=12 m=43 s=5
